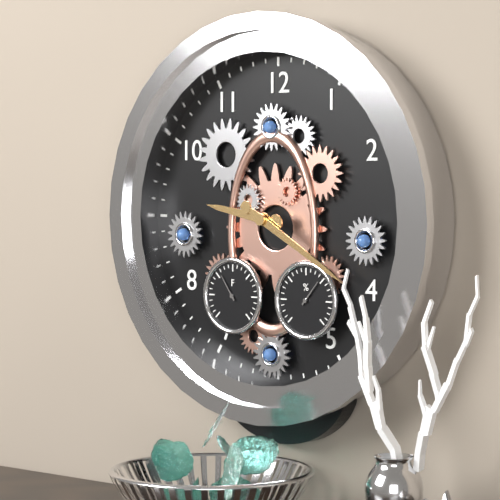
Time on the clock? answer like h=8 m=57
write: h=9 m=20
